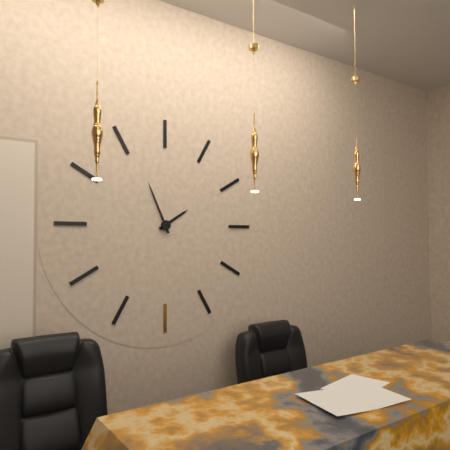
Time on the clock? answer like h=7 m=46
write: h=1 m=56
